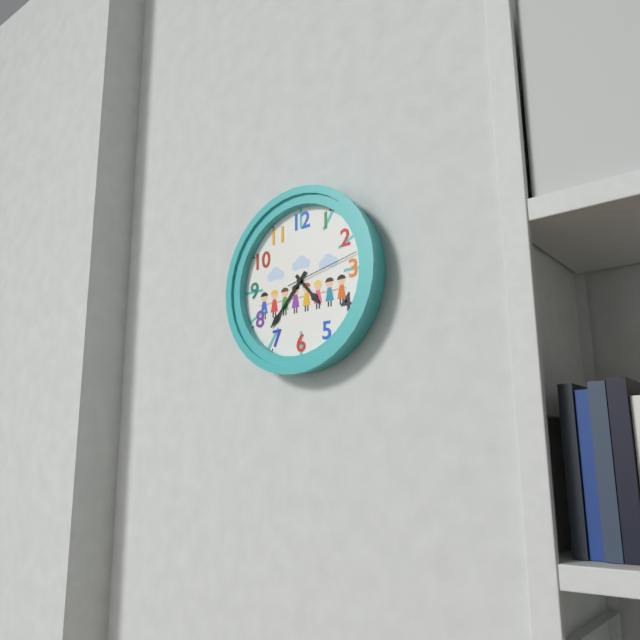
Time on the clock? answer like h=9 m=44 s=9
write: h=4 m=37 s=13
